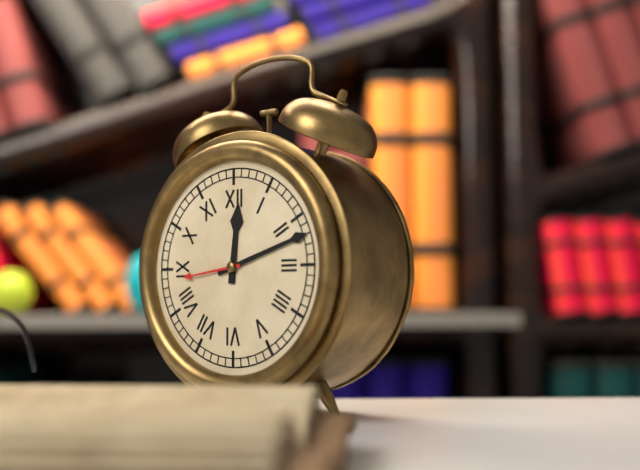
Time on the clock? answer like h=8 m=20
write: h=12 m=12
